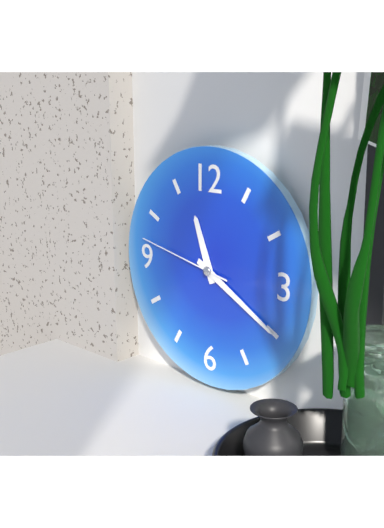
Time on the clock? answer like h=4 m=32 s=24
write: h=11 m=20 s=47
